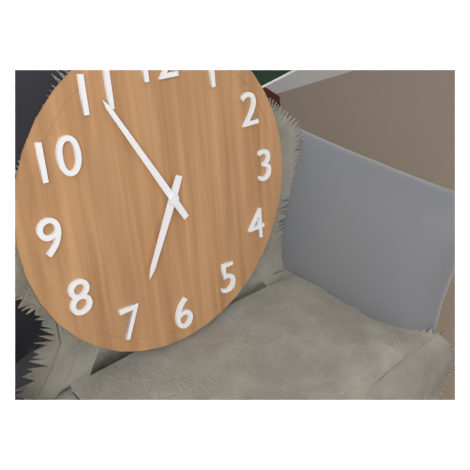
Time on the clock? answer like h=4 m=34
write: h=6 m=55
